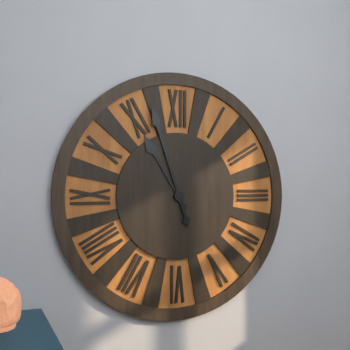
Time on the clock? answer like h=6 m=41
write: h=10 m=57
